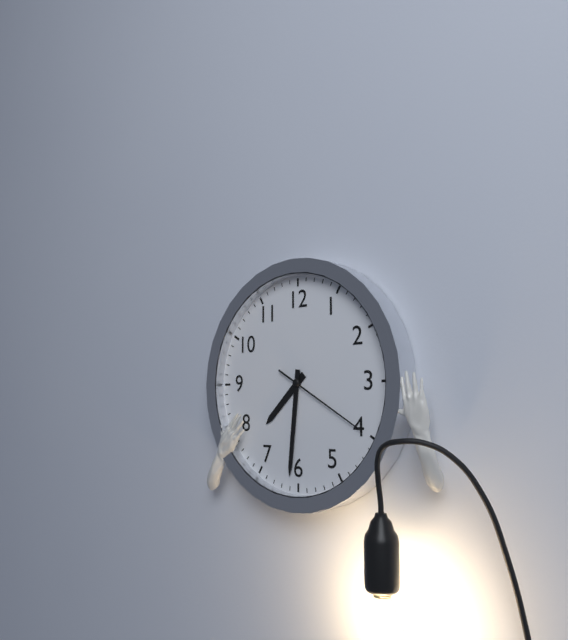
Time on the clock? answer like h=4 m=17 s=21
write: h=7 m=31 s=20
